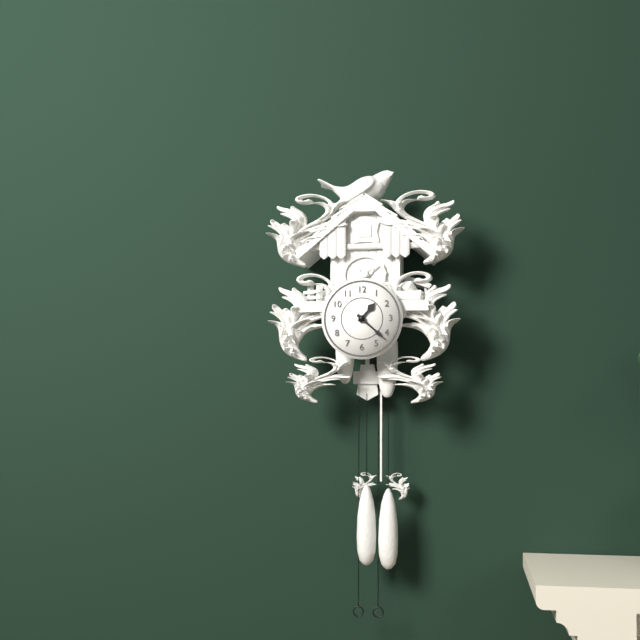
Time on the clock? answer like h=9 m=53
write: h=1 m=22
